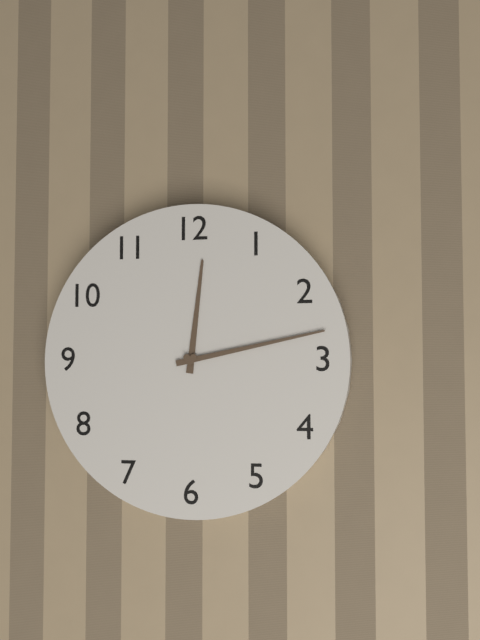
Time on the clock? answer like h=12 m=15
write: h=12 m=13
